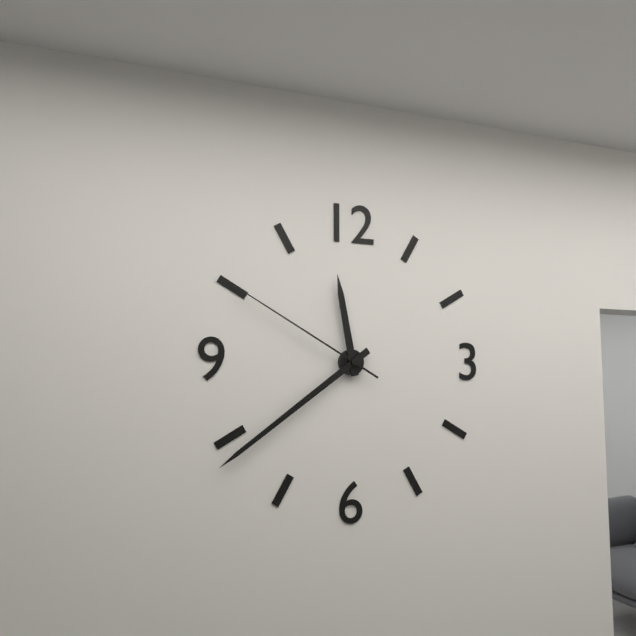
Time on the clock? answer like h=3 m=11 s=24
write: h=11 m=39 s=50
